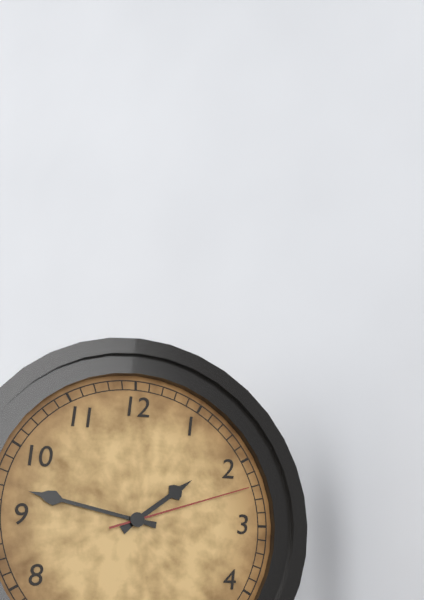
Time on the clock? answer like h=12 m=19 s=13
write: h=1 m=47 s=12
